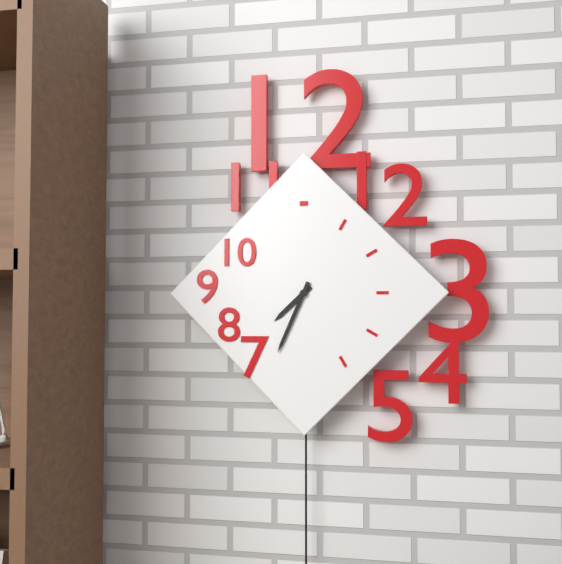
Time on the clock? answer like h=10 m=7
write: h=7 m=34
